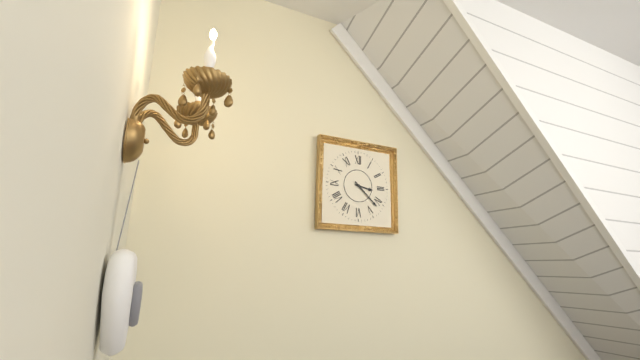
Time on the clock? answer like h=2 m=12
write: h=3 m=22
